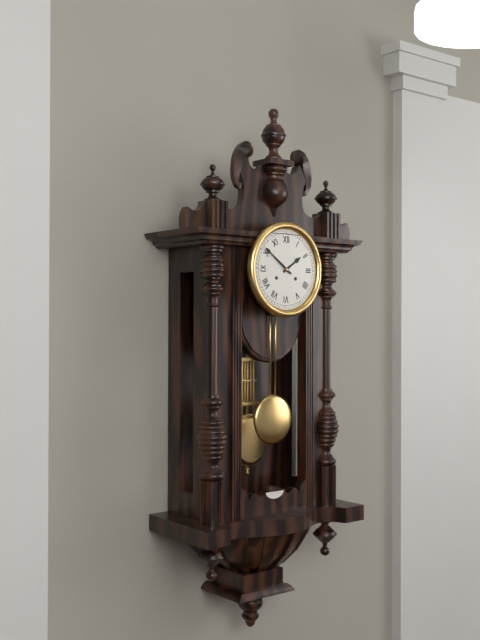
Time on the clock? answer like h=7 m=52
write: h=1 m=51
